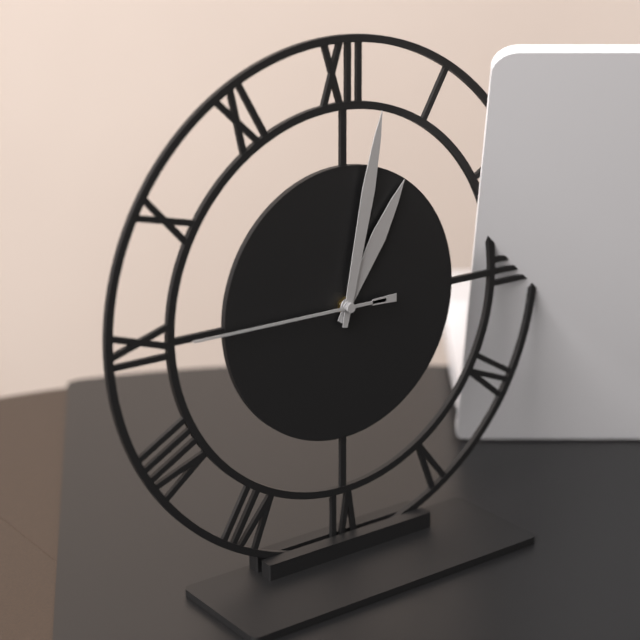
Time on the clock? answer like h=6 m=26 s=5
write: h=1 m=2 s=45
